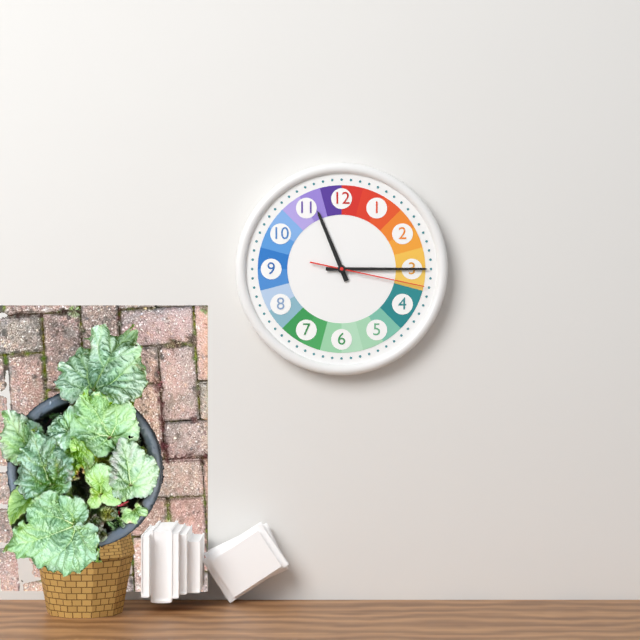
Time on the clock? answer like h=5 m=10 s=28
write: h=11 m=15 s=17
